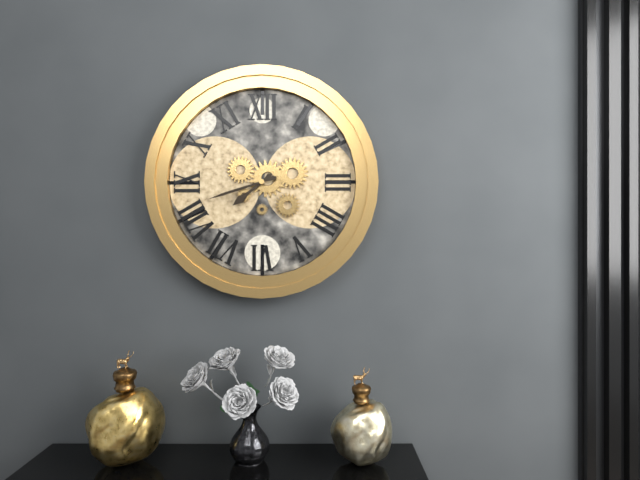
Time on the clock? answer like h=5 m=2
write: h=7 m=42
